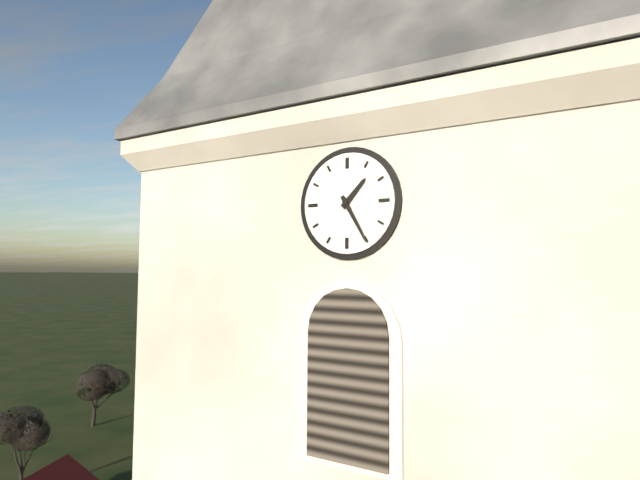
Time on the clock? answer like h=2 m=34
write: h=1 m=25
